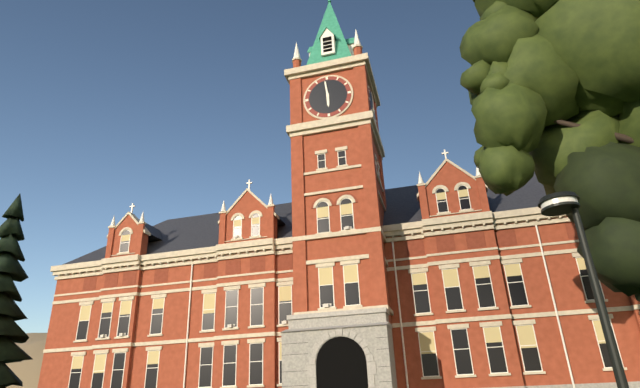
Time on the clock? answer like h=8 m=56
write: h=5 m=59
